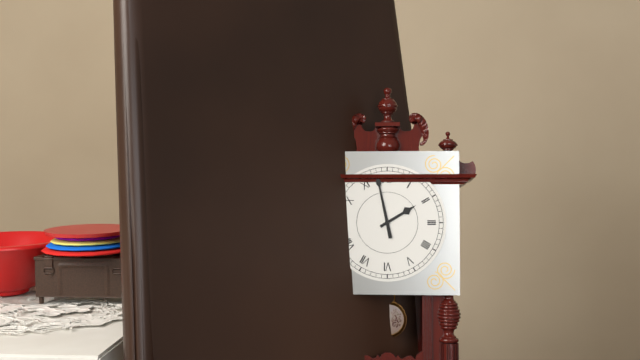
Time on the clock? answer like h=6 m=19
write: h=1 m=58
